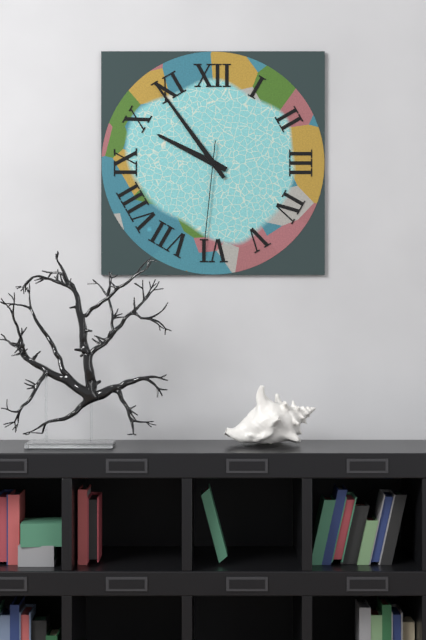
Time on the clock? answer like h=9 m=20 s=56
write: h=9 m=54 s=31
